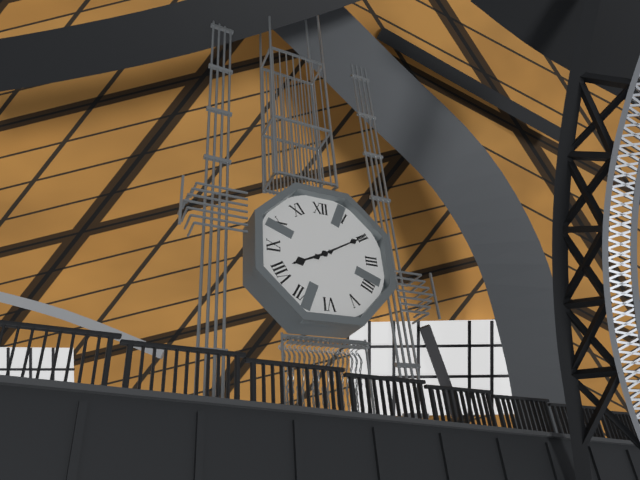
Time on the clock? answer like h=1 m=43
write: h=8 m=10
